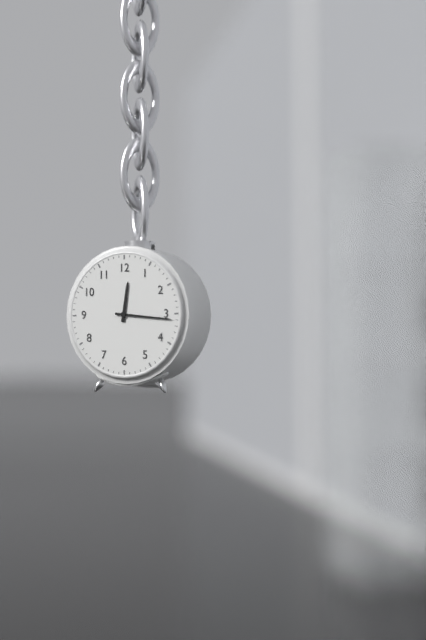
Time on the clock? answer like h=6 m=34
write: h=12 m=16
